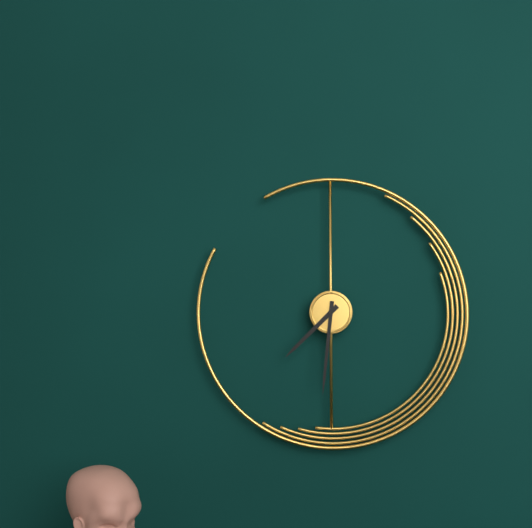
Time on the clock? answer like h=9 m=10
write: h=7 m=31
